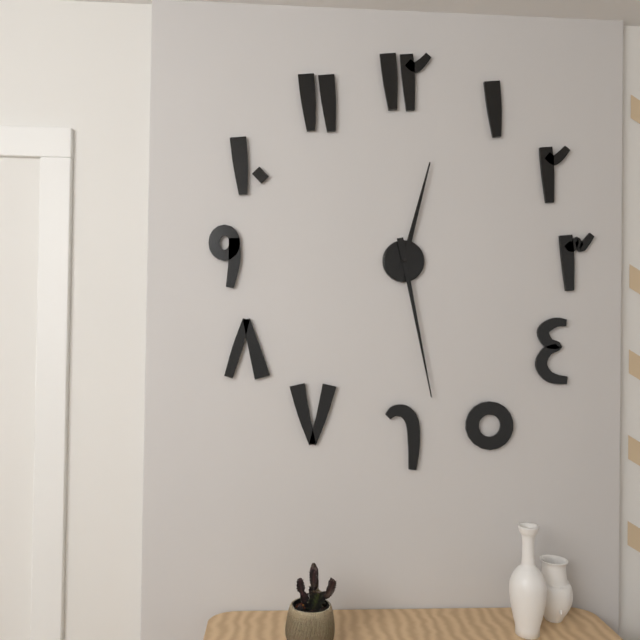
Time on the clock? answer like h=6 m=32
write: h=12 m=28
